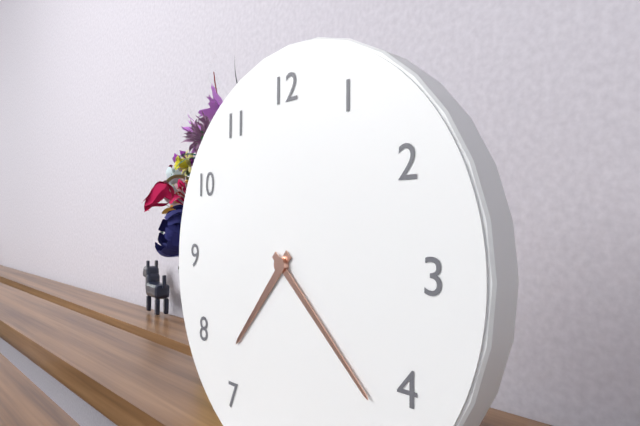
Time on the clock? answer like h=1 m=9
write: h=7 m=22
